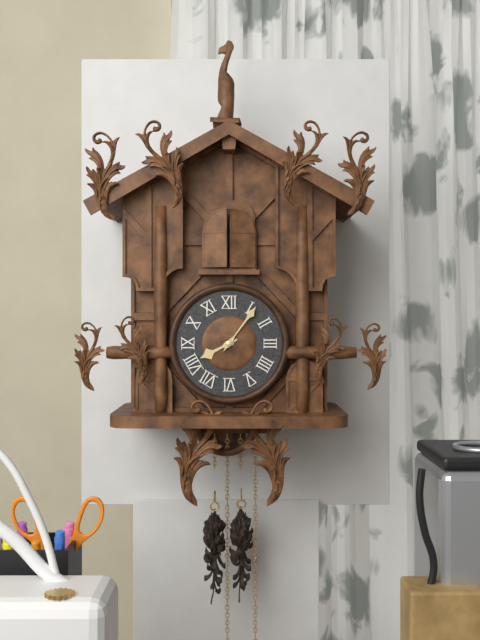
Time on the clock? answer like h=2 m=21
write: h=8 m=6
